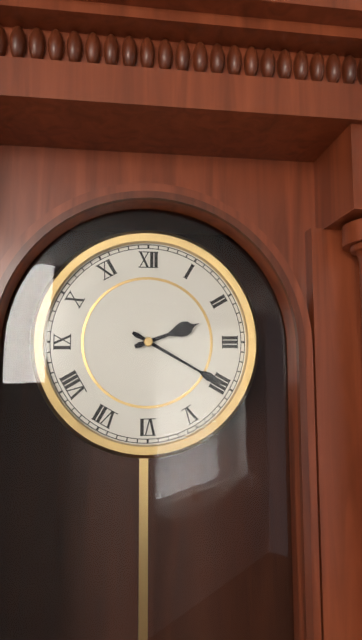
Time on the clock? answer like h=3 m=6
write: h=2 m=20
